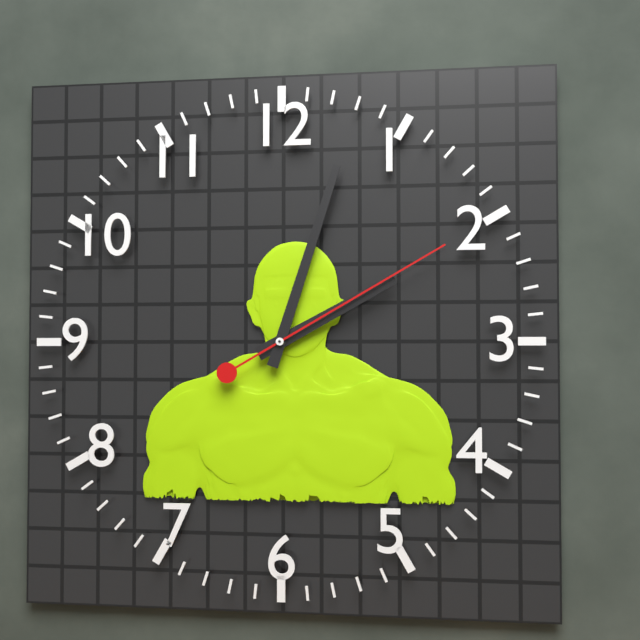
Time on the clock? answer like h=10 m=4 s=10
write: h=2 m=3 s=10
